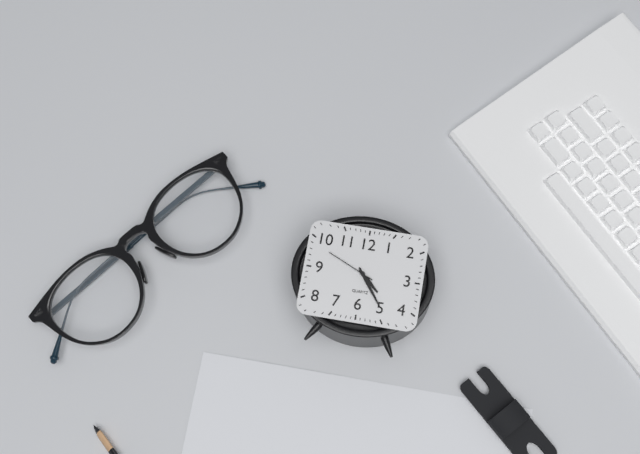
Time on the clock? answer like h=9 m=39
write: h=4 m=24
